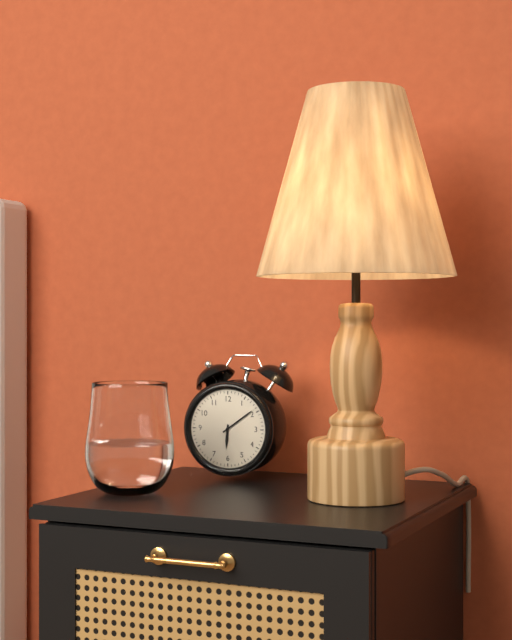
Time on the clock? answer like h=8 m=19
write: h=6 m=9
